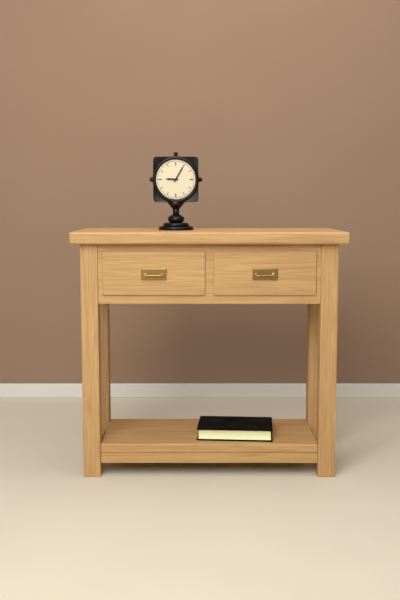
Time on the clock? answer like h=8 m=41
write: h=9 m=5
